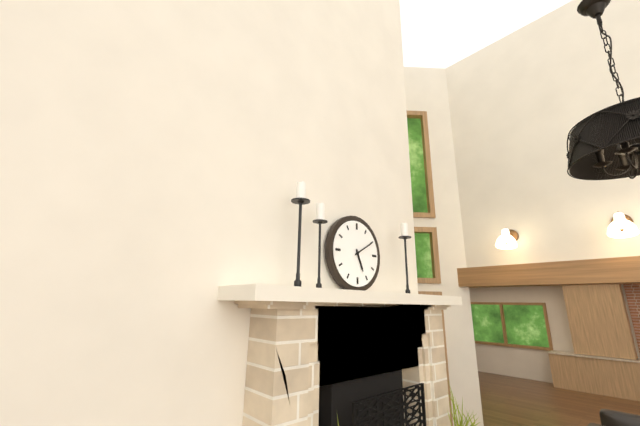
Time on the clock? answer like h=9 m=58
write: h=5 m=10
